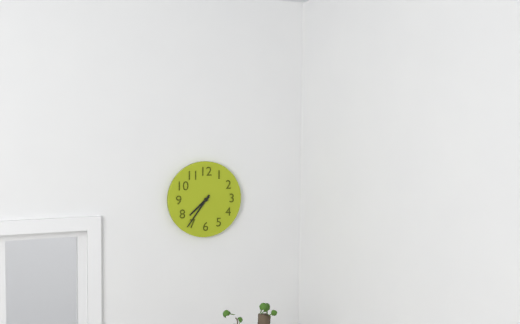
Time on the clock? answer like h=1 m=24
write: h=7 m=36
